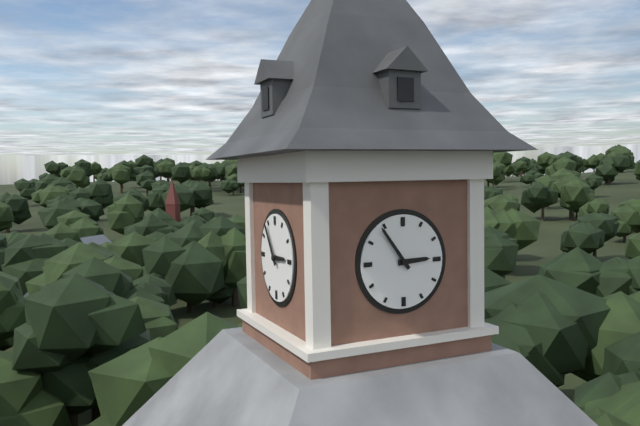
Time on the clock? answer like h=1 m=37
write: h=2 m=54
